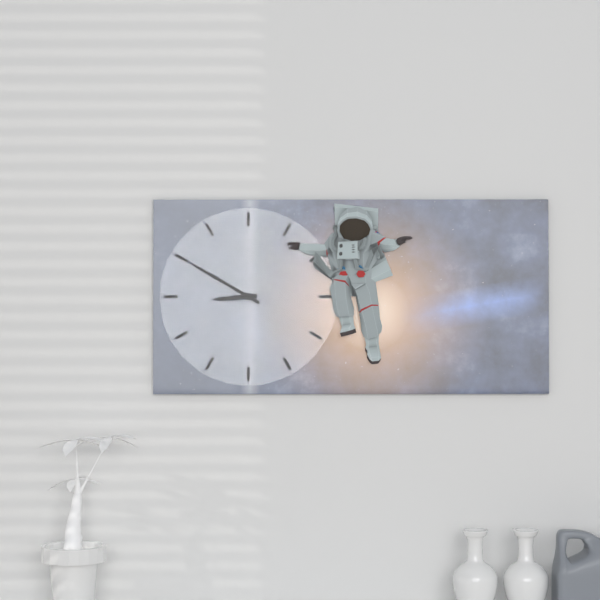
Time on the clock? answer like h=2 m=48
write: h=8 m=50
